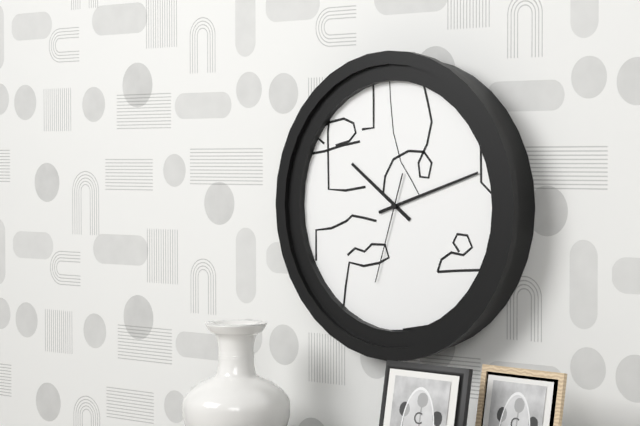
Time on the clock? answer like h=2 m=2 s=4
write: h=10 m=12 s=33
